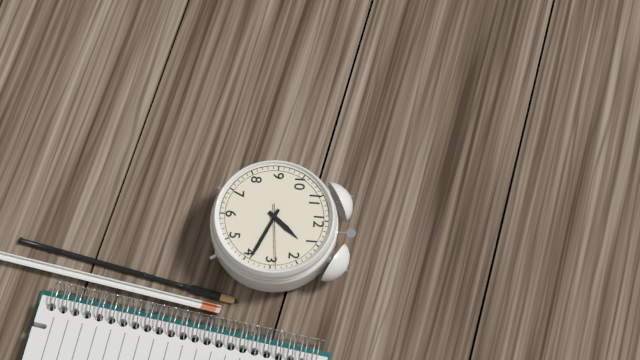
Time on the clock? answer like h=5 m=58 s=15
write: h=1 m=19 s=14
